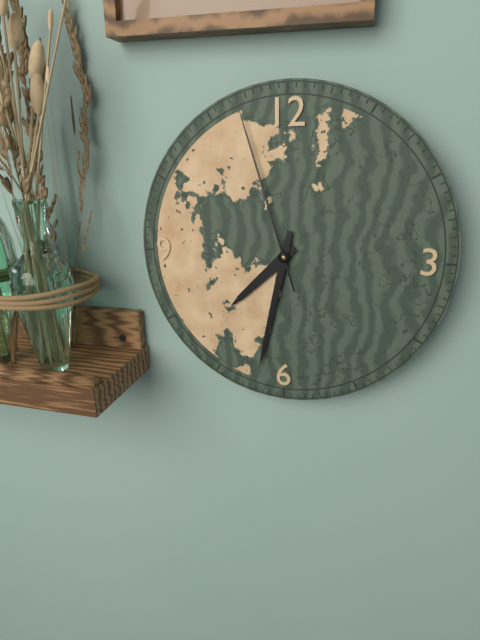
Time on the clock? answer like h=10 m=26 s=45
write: h=7 m=32 s=57
